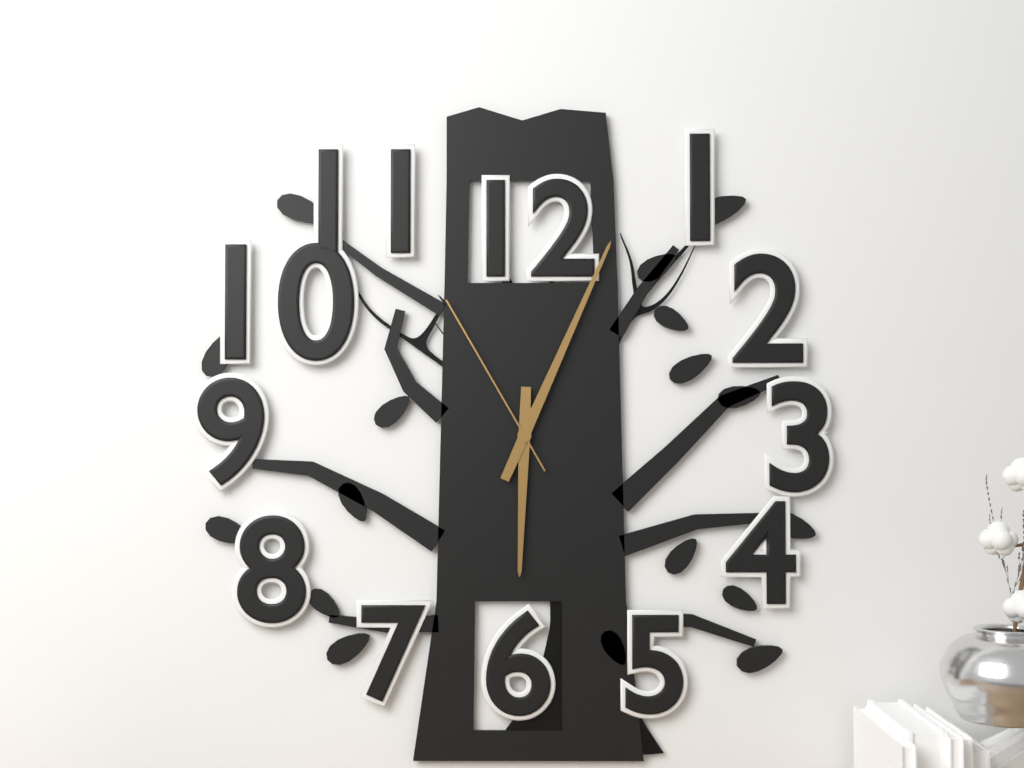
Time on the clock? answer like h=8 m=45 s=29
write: h=6 m=4 s=55
